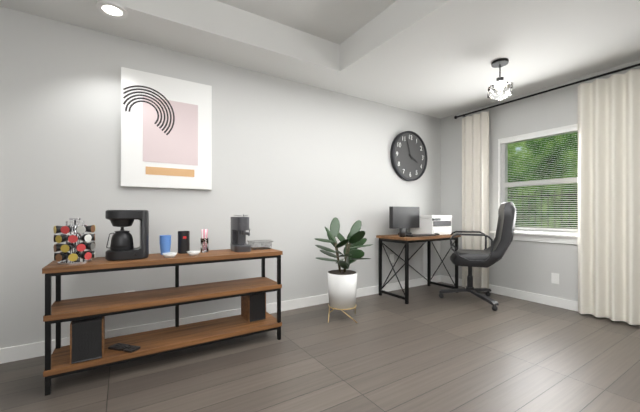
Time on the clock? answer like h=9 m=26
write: h=3 m=57
